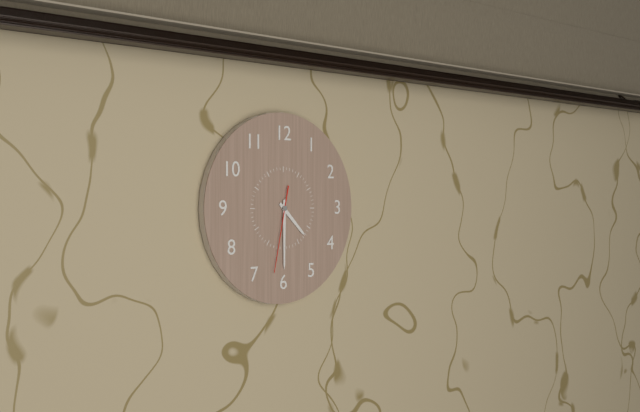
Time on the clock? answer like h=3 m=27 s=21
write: h=4 m=30 s=32
